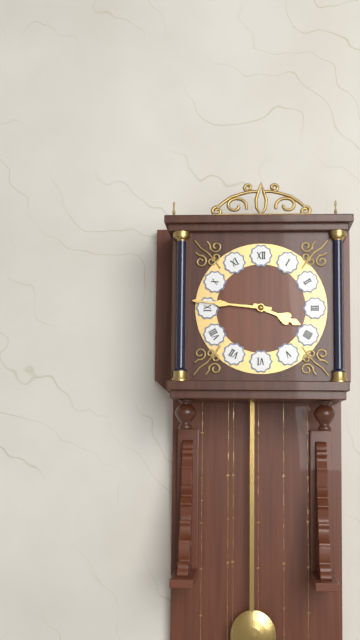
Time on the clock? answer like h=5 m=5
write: h=3 m=46
